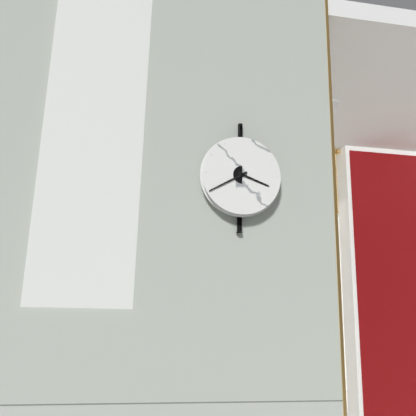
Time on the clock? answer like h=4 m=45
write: h=3 m=40
